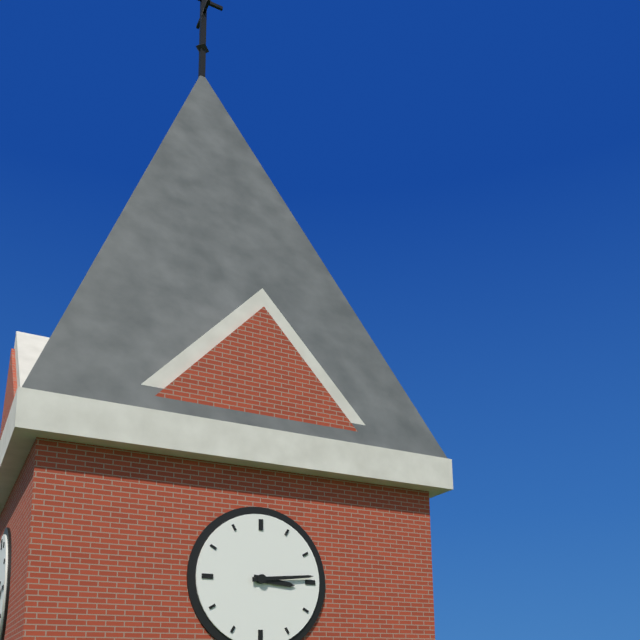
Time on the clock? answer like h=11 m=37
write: h=3 m=14
